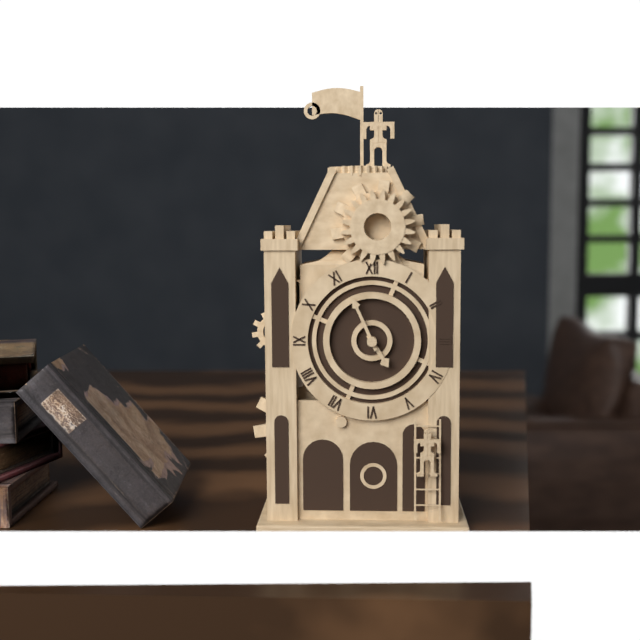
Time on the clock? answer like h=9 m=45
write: h=4 m=56
